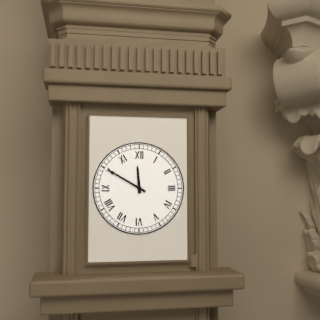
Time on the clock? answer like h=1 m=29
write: h=11 m=50
